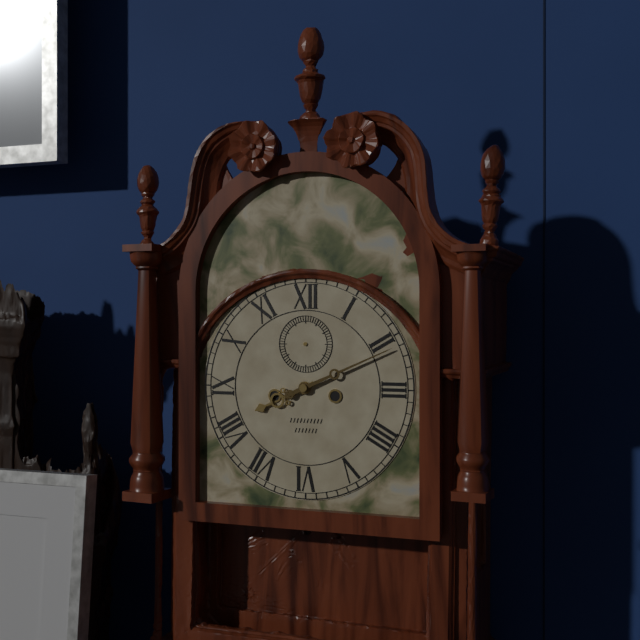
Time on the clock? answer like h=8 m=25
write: h=8 m=11
